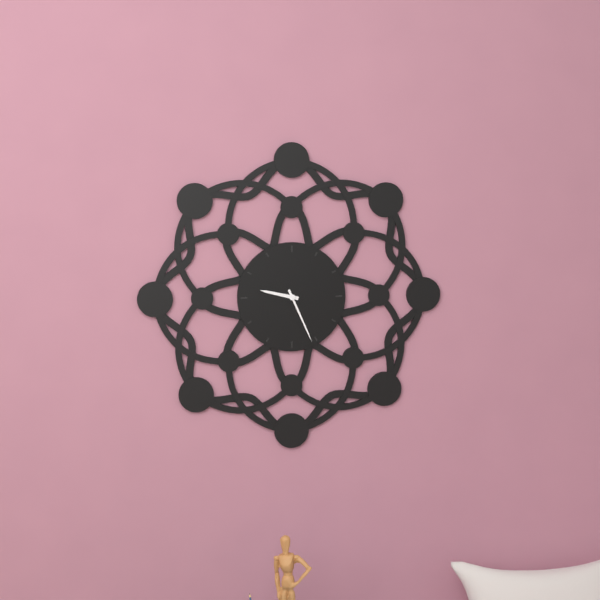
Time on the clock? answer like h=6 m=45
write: h=9 m=26
